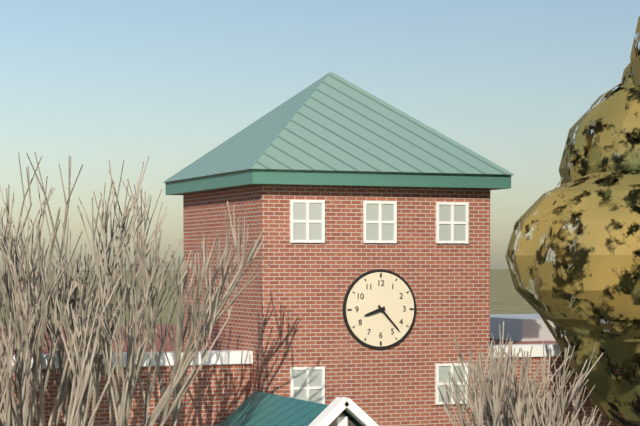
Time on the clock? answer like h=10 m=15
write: h=8 m=23
